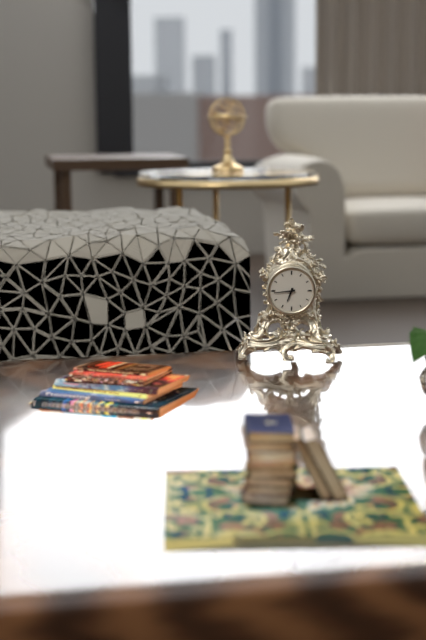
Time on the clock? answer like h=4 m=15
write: h=6 m=44
